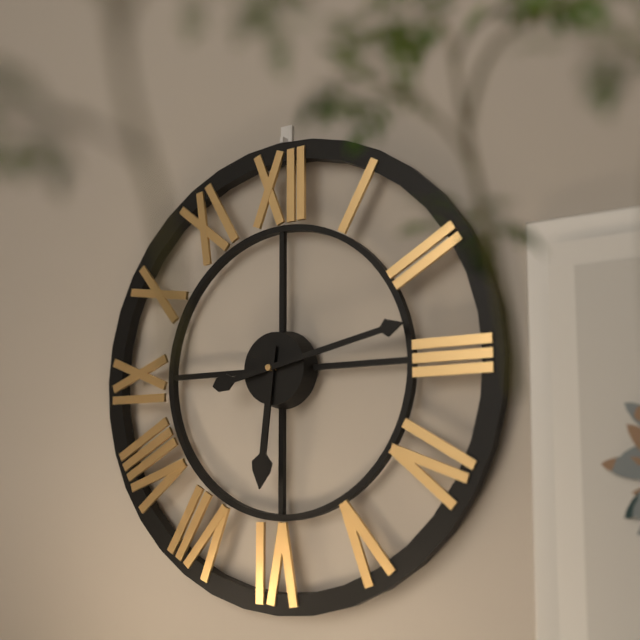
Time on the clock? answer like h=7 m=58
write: h=6 m=13
